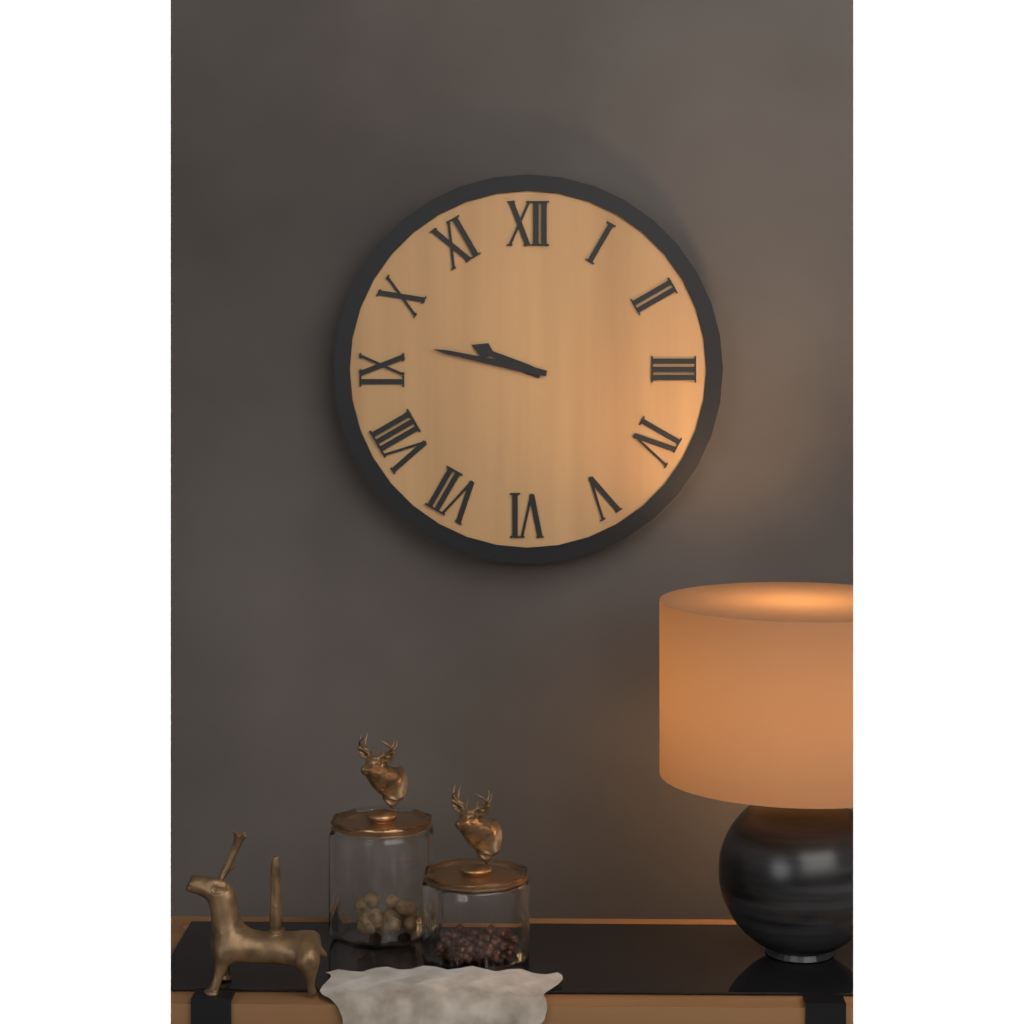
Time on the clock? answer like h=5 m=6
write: h=9 m=47
